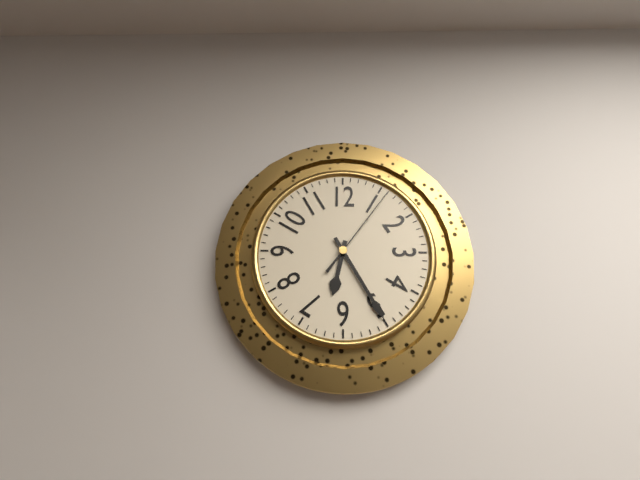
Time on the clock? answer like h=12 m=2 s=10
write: h=6 m=25 s=6
